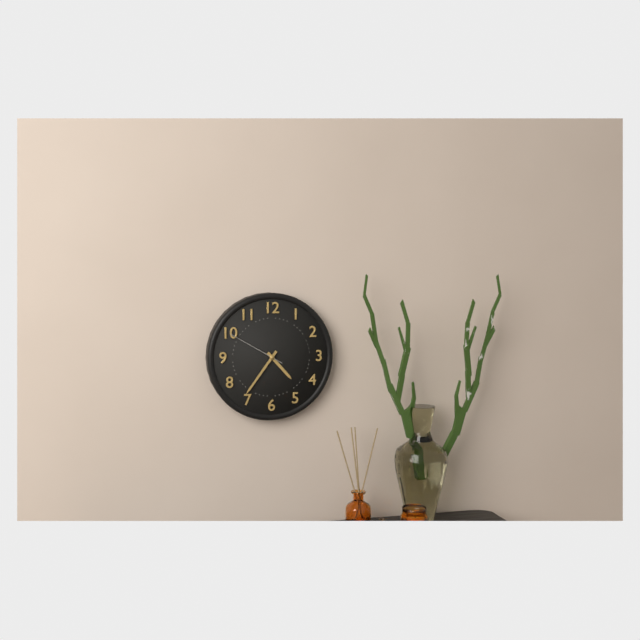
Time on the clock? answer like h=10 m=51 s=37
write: h=4 m=36 s=50
